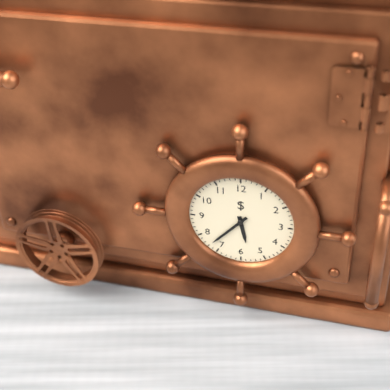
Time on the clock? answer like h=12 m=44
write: h=5 m=37
